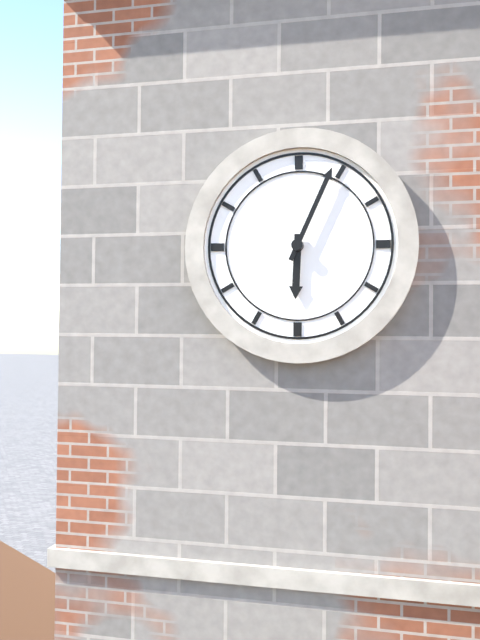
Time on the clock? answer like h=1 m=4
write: h=6 m=4
